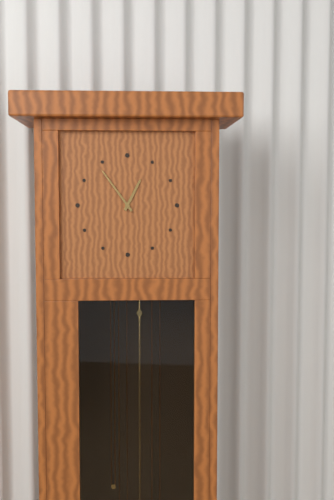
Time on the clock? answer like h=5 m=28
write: h=12 m=54
